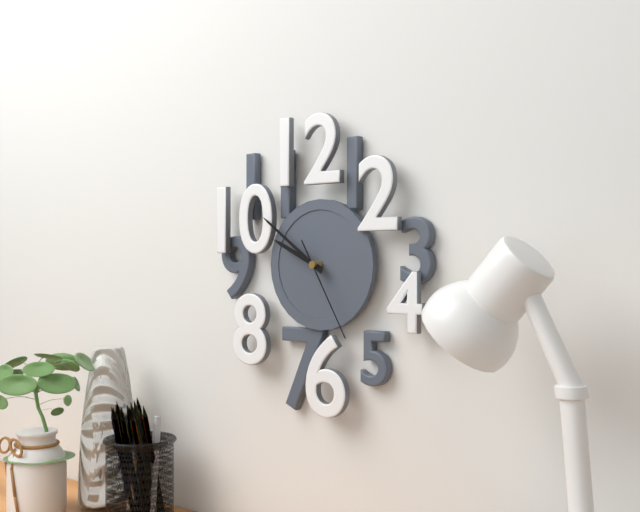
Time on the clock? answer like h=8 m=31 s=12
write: h=9 m=51 s=25
